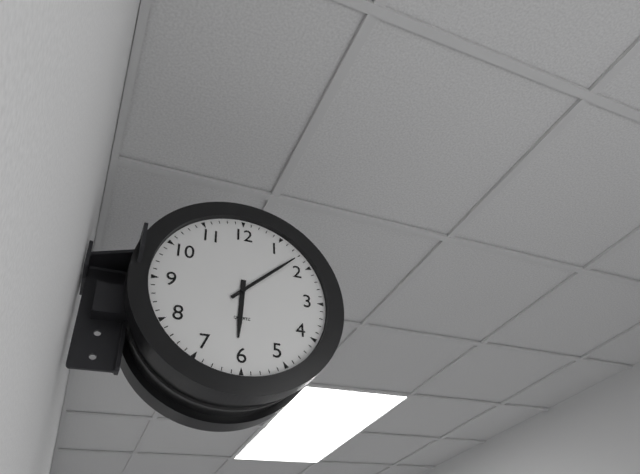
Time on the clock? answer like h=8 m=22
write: h=6 m=8
